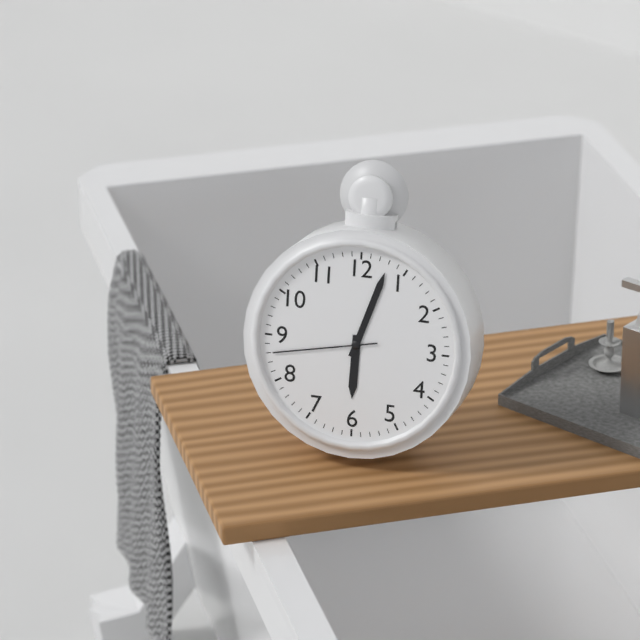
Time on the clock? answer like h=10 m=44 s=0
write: h=6 m=3 s=43
